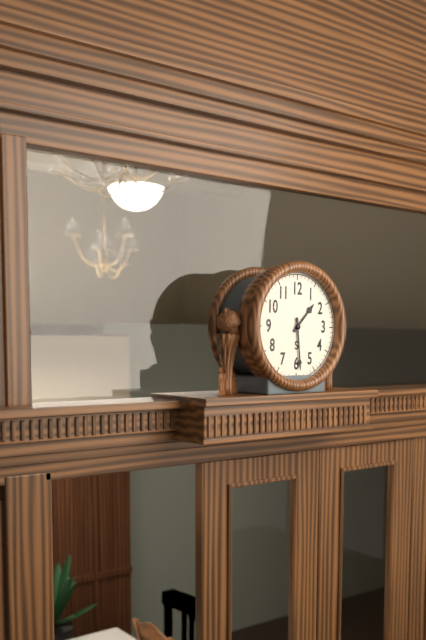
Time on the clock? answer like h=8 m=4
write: h=1 m=29
